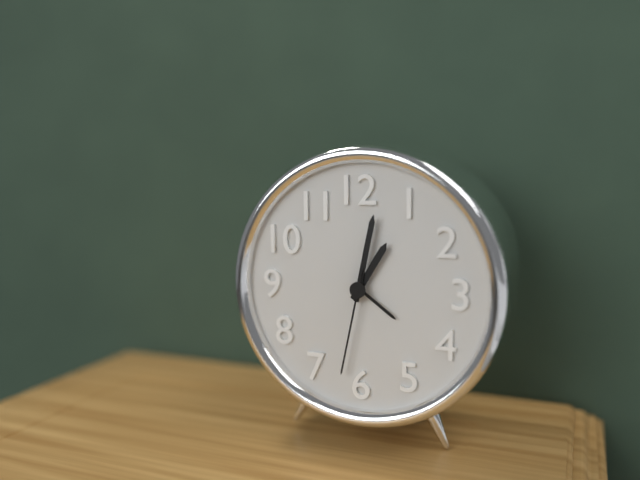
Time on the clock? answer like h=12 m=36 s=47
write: h=1 m=2 s=32
